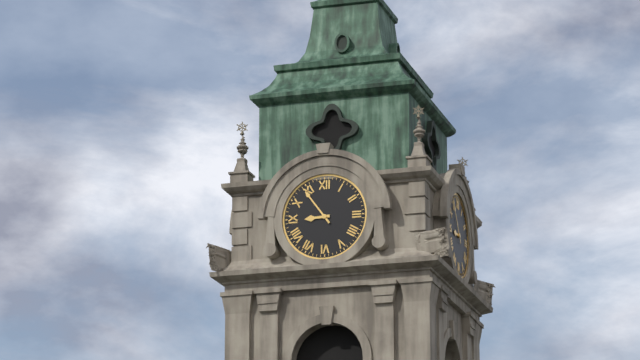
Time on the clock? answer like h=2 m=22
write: h=8 m=54
